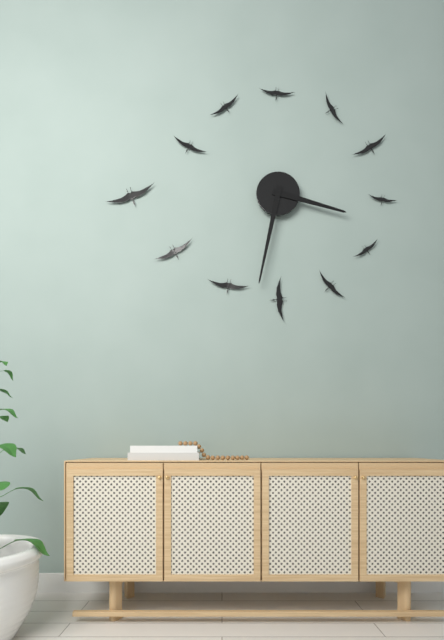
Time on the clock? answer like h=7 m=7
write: h=3 m=32
